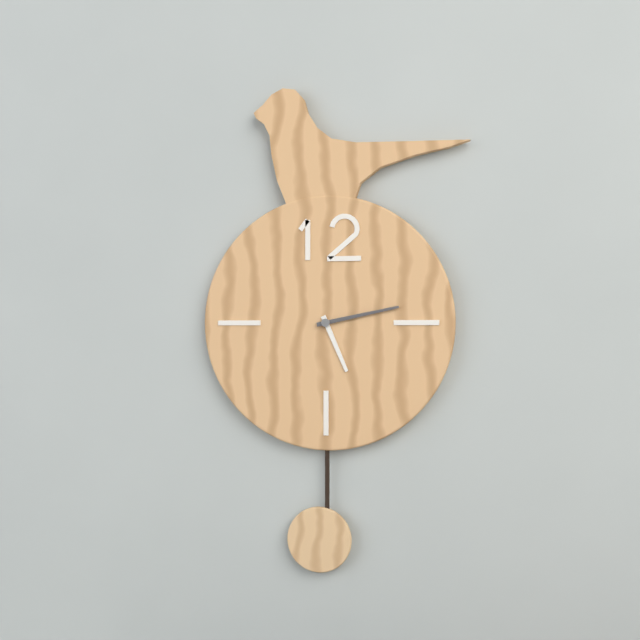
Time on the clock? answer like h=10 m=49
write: h=5 m=13
